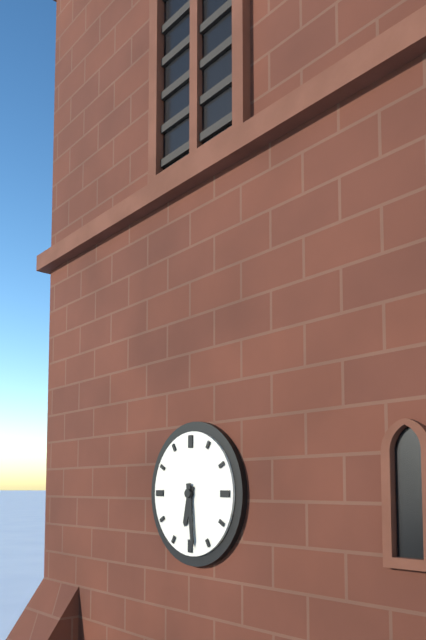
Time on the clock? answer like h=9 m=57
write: h=6 m=29
